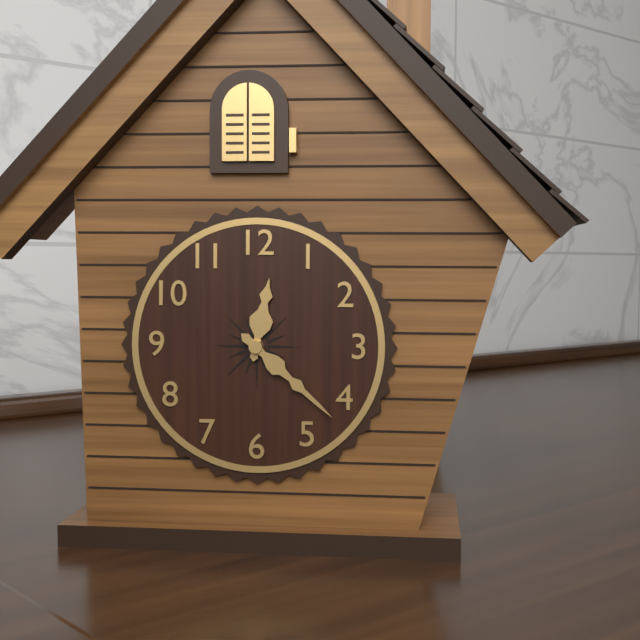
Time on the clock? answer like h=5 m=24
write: h=12 m=22
